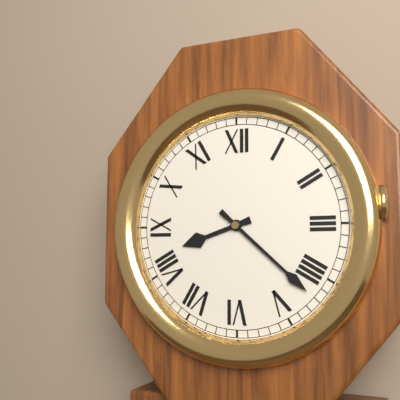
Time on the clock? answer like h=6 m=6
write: h=8 m=22
